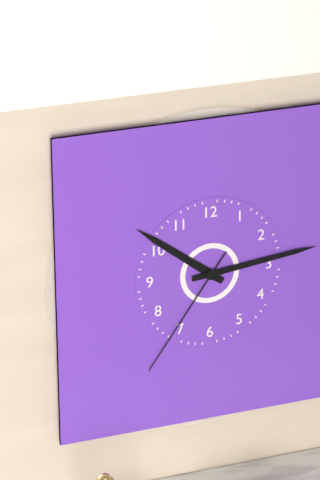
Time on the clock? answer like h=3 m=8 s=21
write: h=10 m=14 s=36
